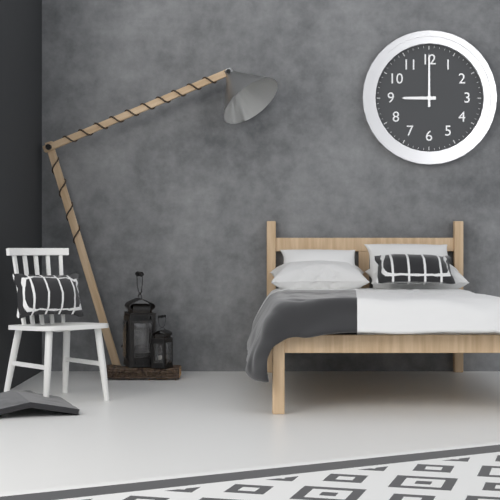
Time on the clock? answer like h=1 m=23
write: h=9 m=0
